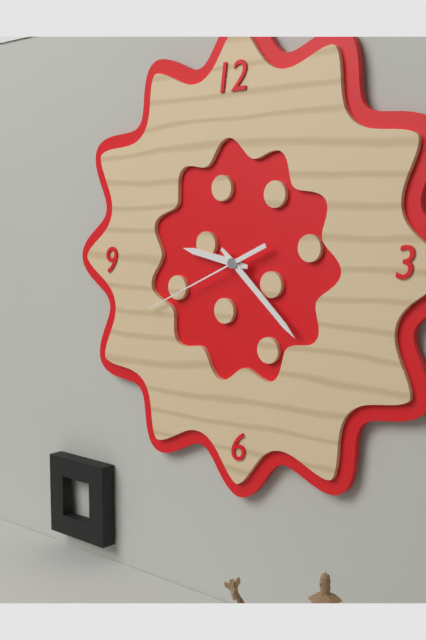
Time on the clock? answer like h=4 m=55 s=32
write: h=9 m=22 s=41
